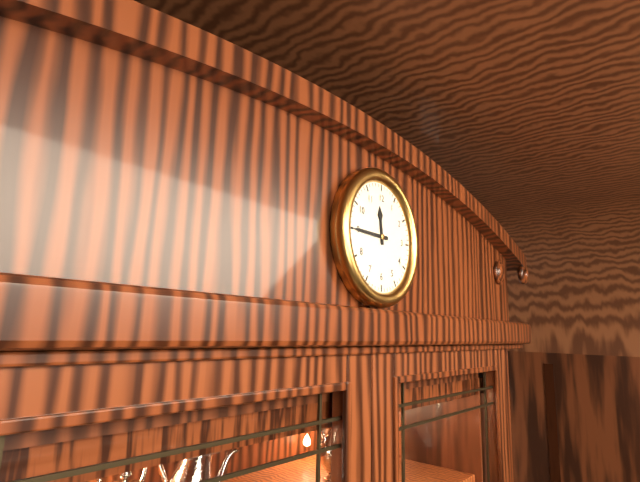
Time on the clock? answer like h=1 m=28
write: h=11 m=45
